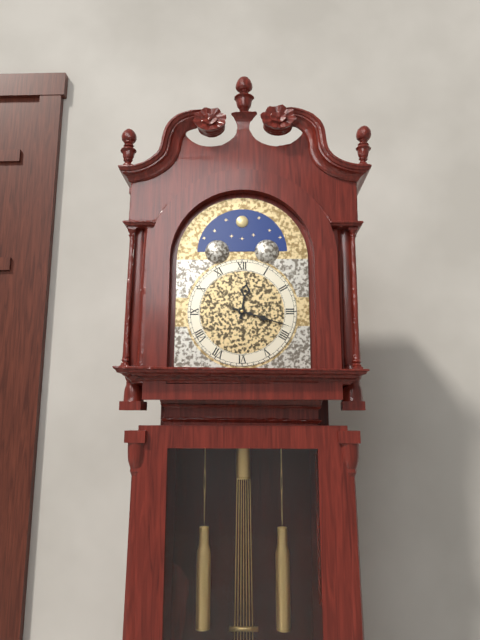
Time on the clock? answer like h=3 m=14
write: h=12 m=18
